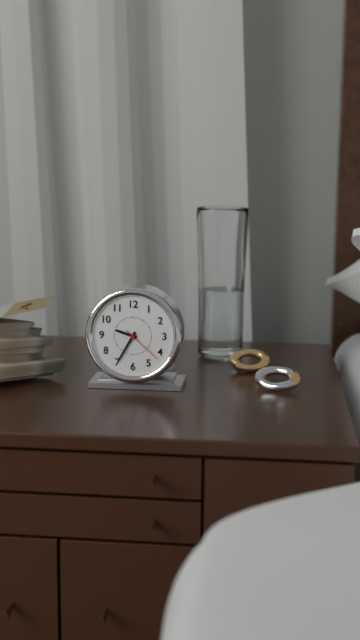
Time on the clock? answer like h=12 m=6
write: h=9 m=35
